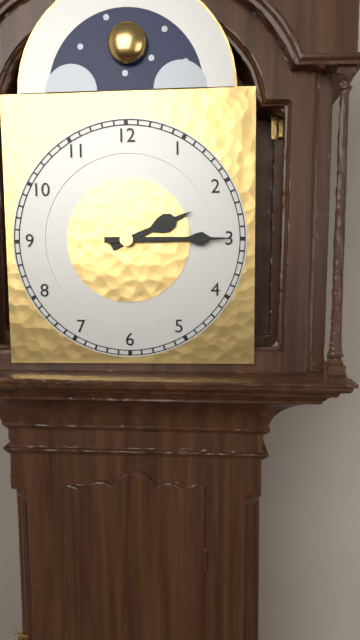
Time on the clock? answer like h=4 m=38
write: h=2 m=15
